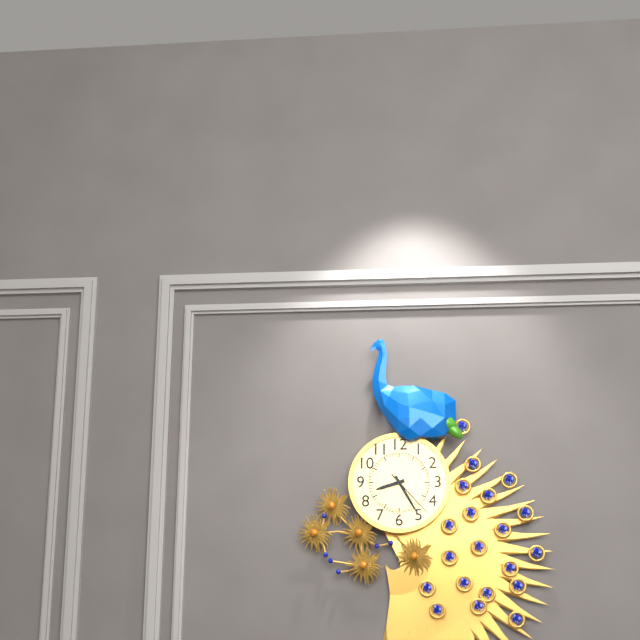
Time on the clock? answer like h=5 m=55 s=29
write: h=8 m=25 s=23
